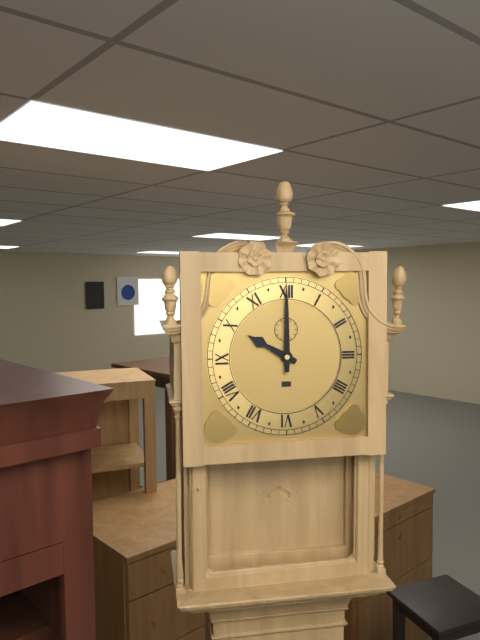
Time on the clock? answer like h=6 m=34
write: h=10 m=0
